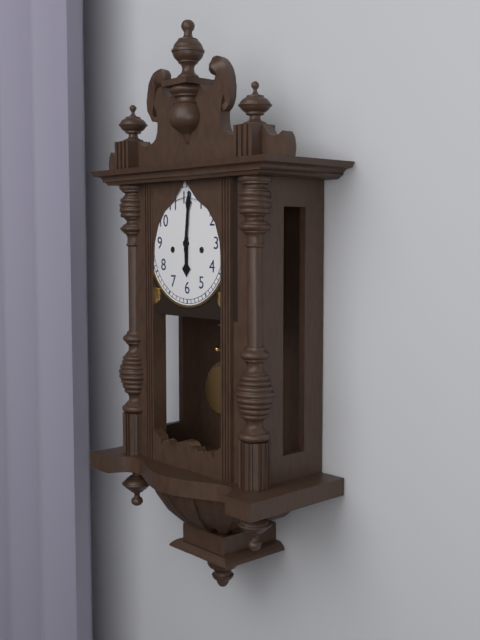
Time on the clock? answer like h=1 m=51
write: h=6 m=1
